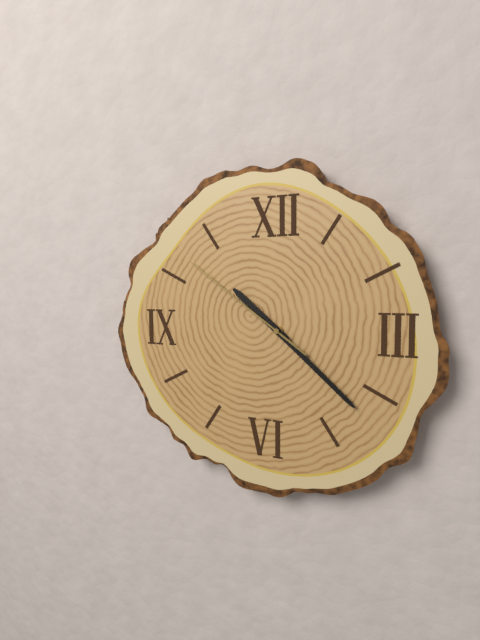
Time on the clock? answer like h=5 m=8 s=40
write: h=10 m=22 s=51
